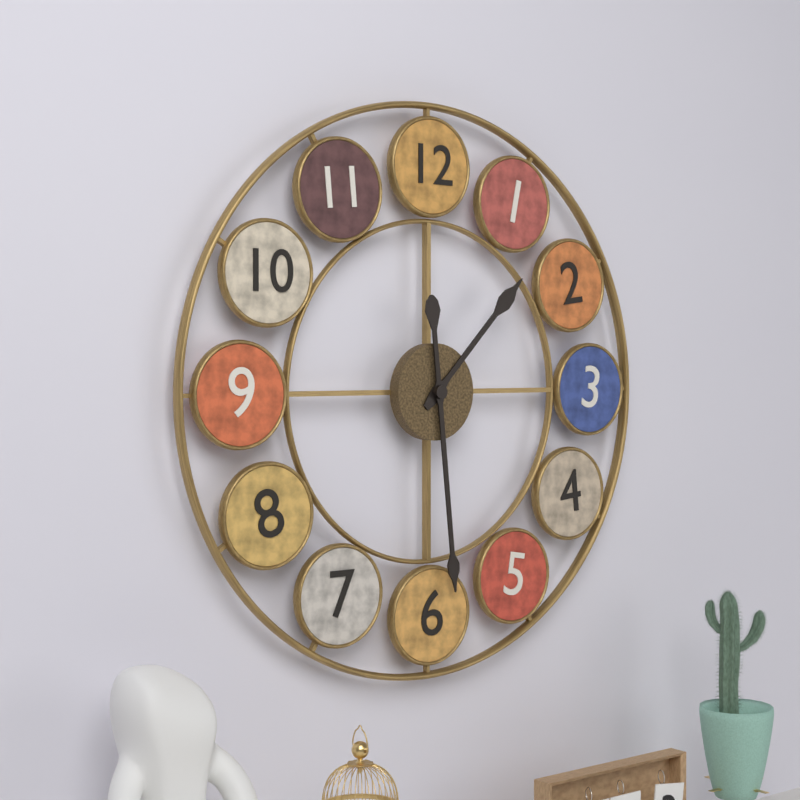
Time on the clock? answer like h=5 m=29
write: h=1 m=29
